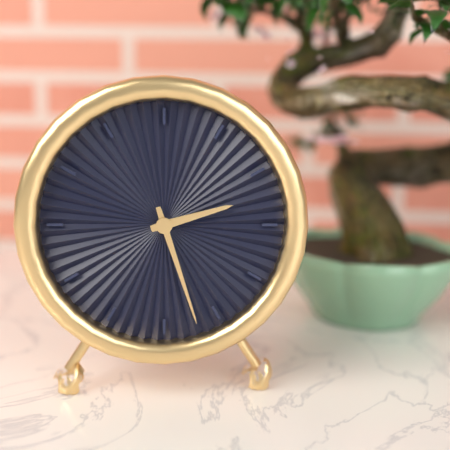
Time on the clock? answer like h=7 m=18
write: h=2 m=27
